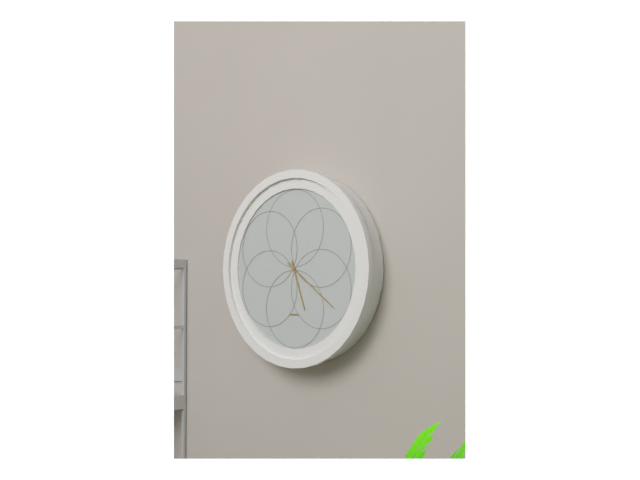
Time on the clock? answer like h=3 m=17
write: h=5 m=21
